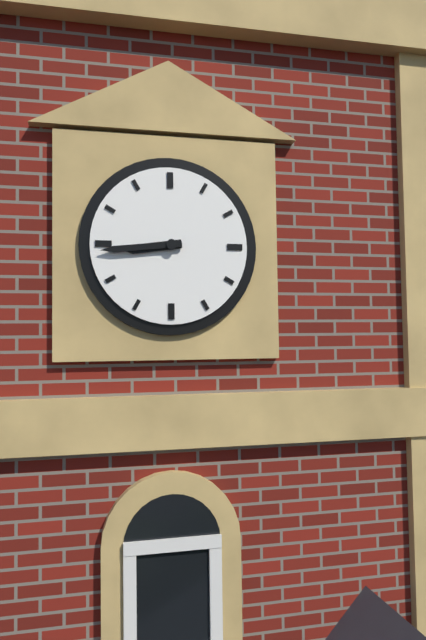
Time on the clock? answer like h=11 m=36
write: h=8 m=44
